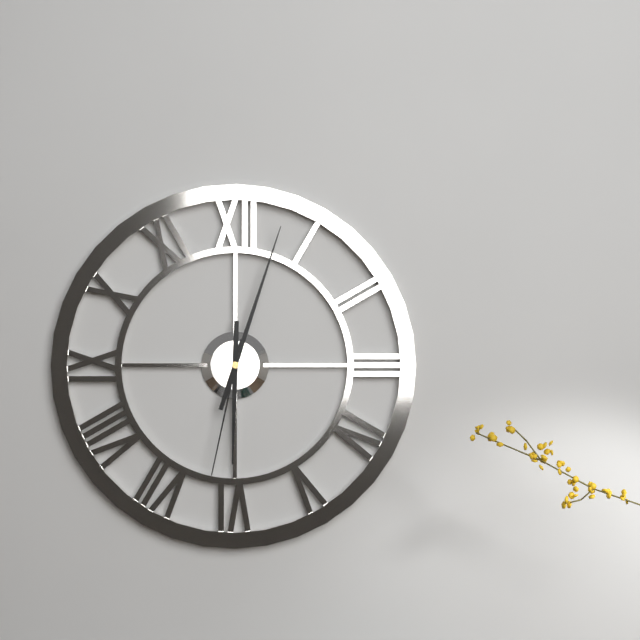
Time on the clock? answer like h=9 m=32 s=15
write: h=6 m=3 s=32
